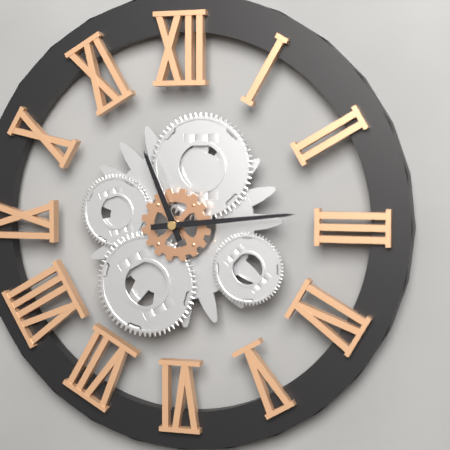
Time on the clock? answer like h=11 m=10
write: h=11 m=14
